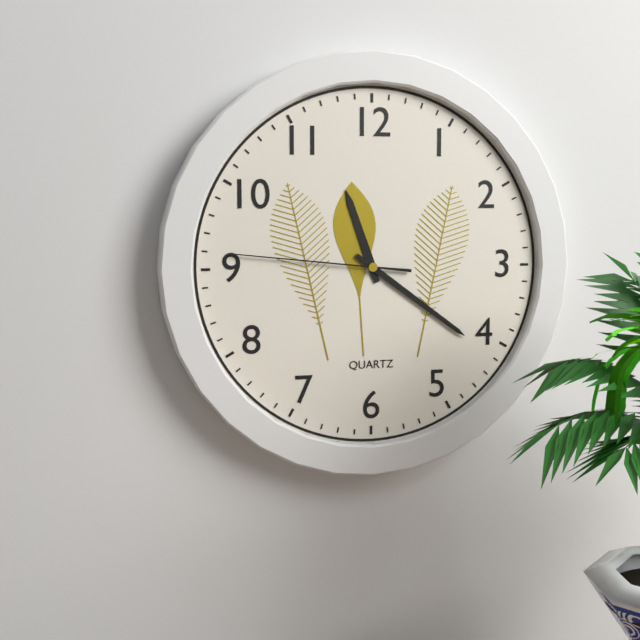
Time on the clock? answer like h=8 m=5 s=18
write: h=11 m=21 s=46
